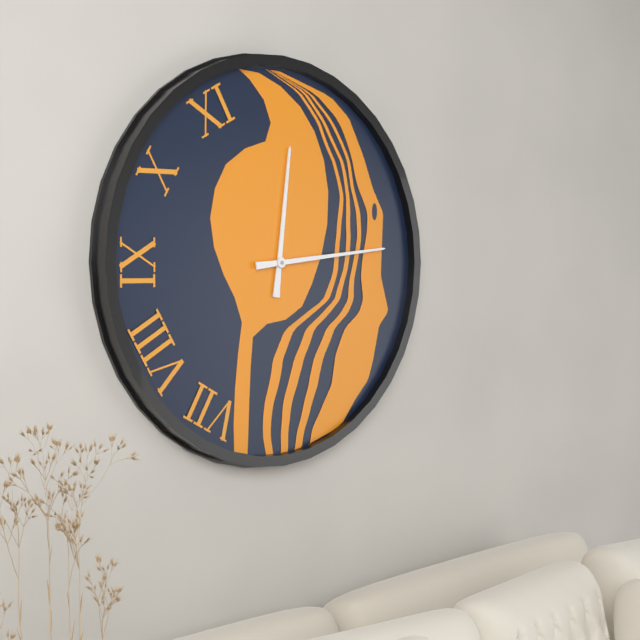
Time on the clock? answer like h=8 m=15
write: h=12 m=14
